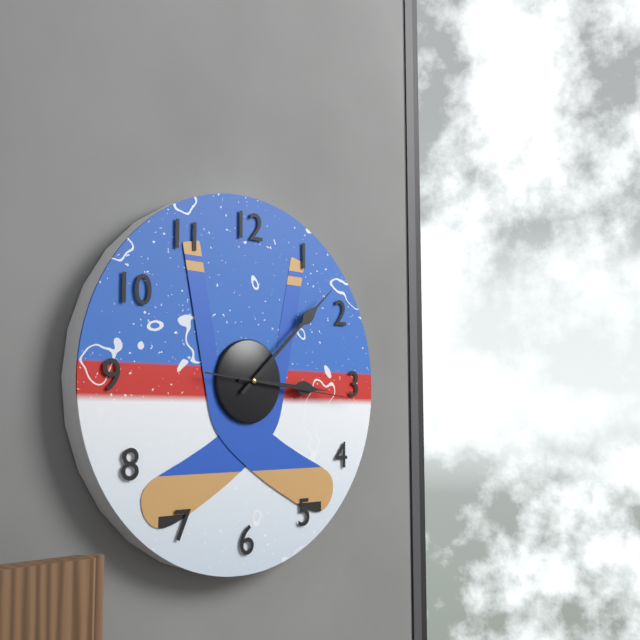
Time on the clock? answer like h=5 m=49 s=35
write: h=3 m=8 s=16
